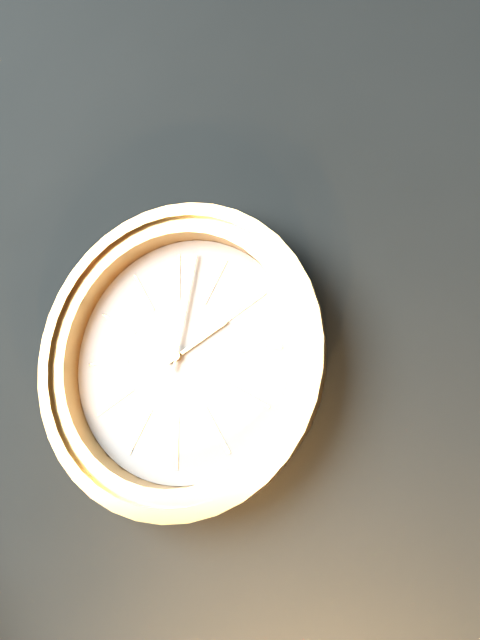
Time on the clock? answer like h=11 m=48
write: h=2 m=2
